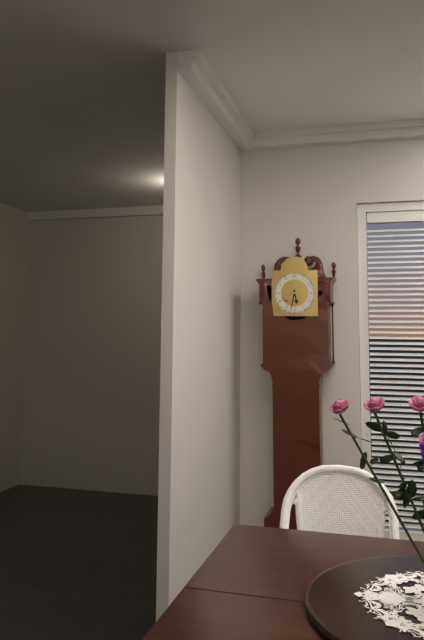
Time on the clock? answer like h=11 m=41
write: h=5 m=32
